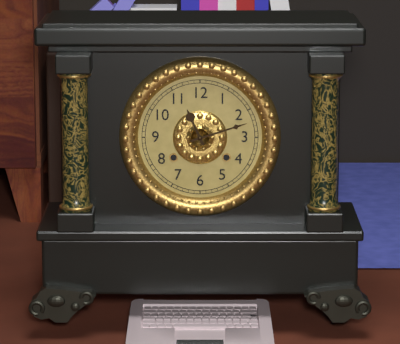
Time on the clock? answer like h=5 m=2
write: h=11 m=12
